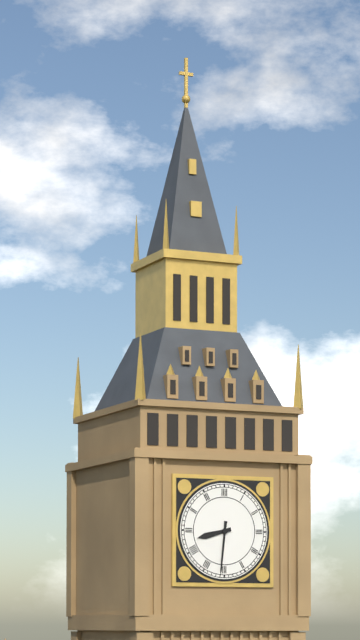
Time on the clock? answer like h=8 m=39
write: h=8 m=31
